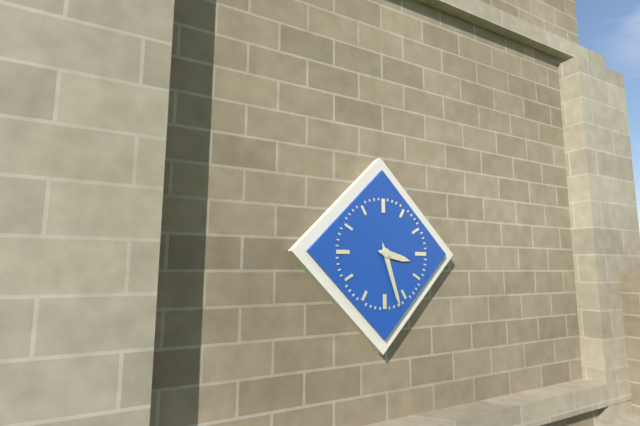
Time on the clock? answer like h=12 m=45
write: h=3 m=27
